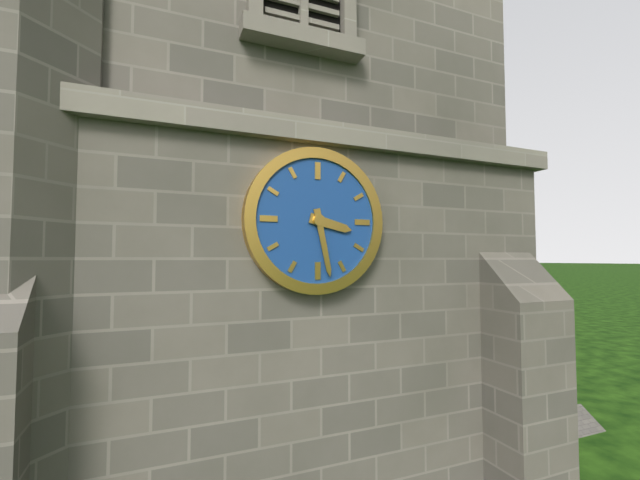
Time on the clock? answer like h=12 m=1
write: h=3 m=28
